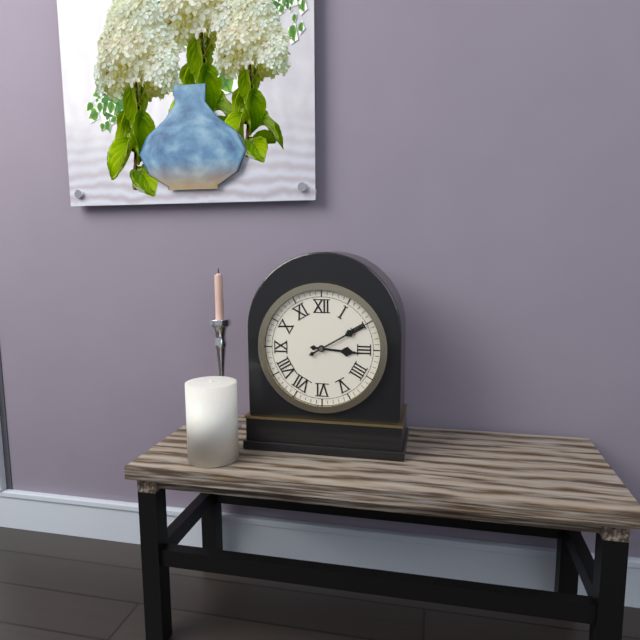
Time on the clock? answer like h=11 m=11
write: h=3 m=10
